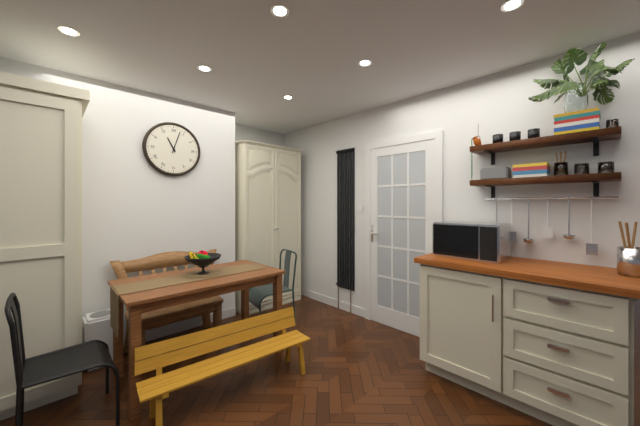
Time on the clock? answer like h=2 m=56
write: h=11 m=3
